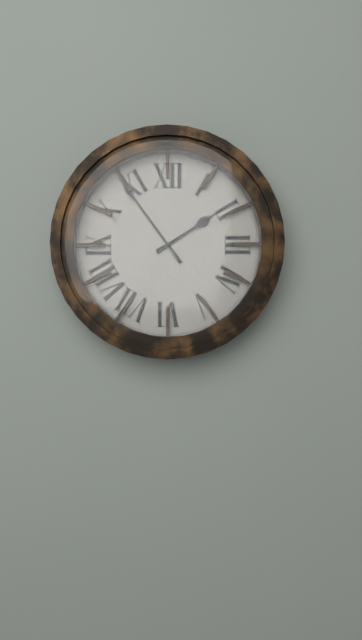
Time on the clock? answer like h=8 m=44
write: h=1 m=54
